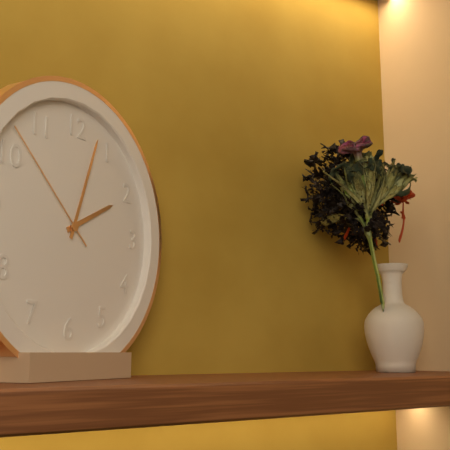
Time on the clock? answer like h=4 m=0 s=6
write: h=2 m=3 s=52
